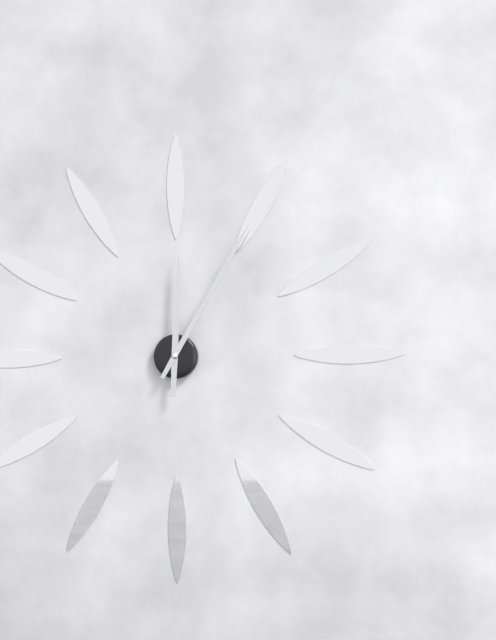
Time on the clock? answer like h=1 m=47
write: h=12 m=5
